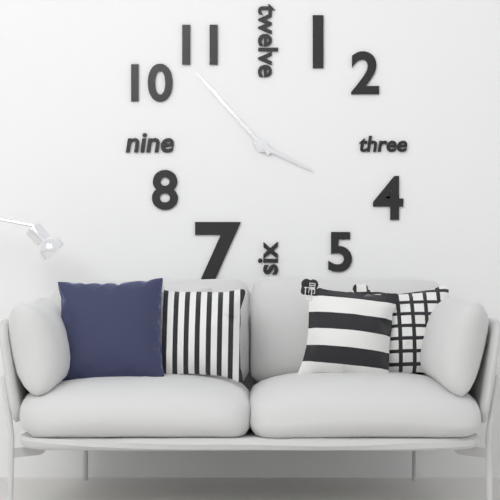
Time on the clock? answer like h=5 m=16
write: h=3 m=53
